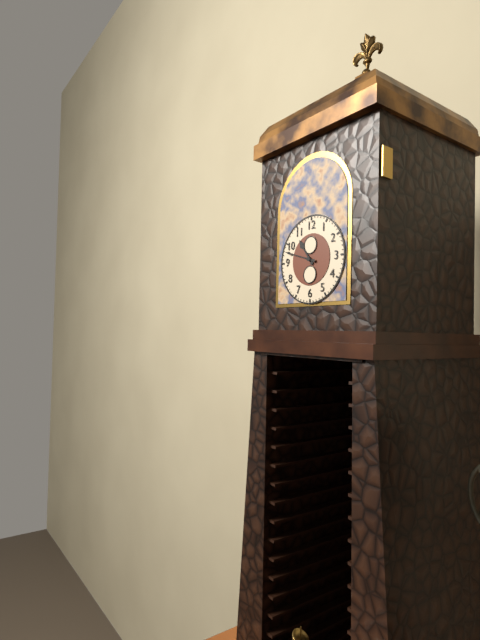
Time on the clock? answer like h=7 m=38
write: h=10 m=48
